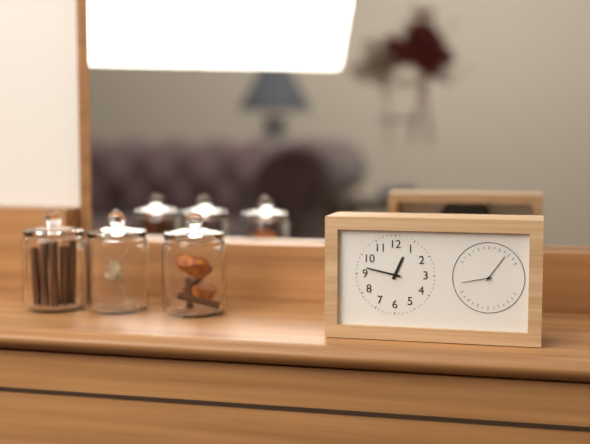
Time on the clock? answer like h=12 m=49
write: h=12 m=47
